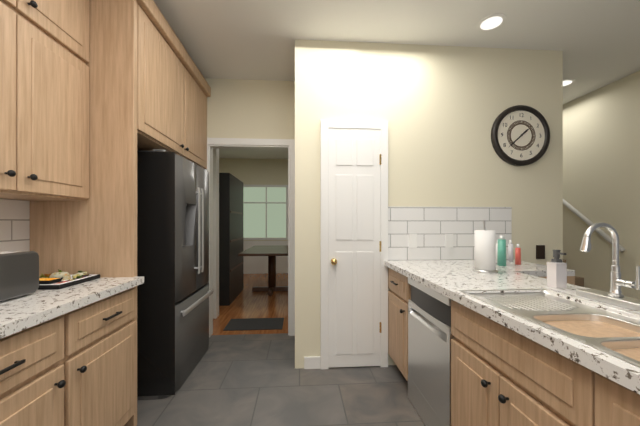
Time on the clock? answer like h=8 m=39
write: h=1 m=38
